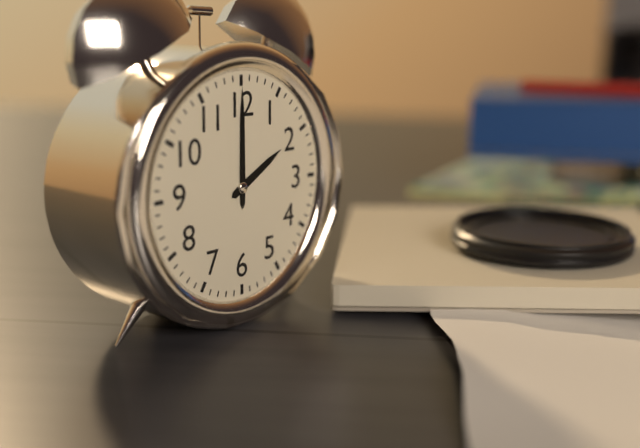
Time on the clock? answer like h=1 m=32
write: h=2 m=0
